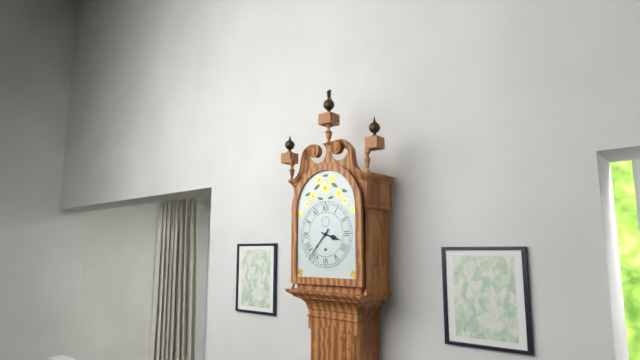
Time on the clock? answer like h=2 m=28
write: h=3 m=37
